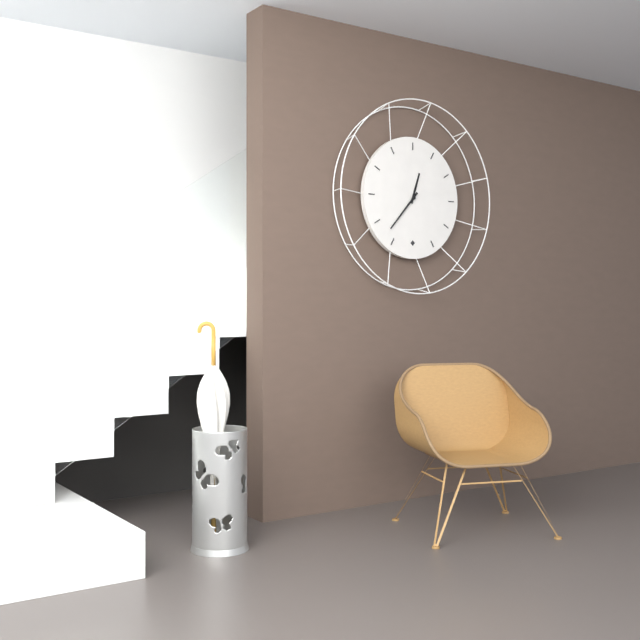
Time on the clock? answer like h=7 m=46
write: h=12 m=37
